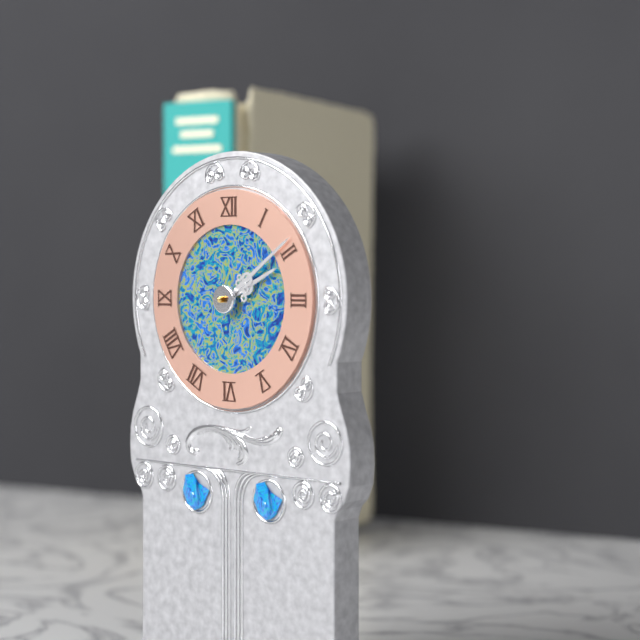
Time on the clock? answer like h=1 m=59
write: h=2 m=9
